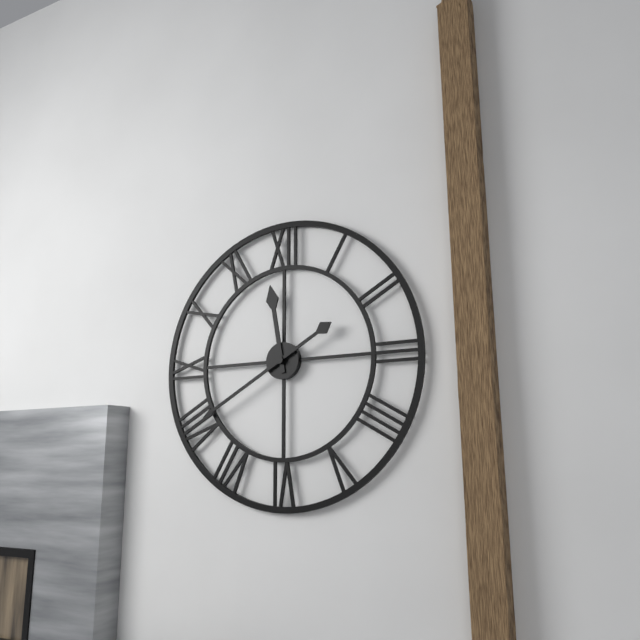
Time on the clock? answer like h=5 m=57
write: h=11 m=40
